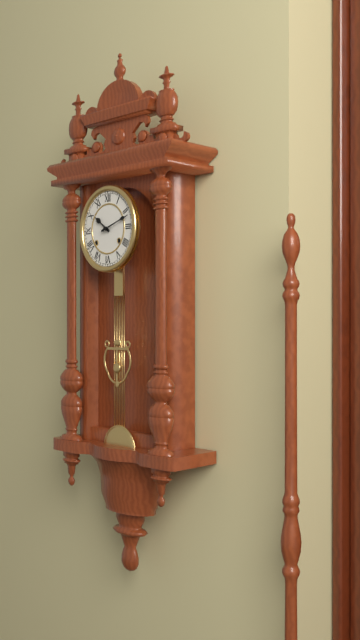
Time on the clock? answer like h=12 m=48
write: h=10 m=12
